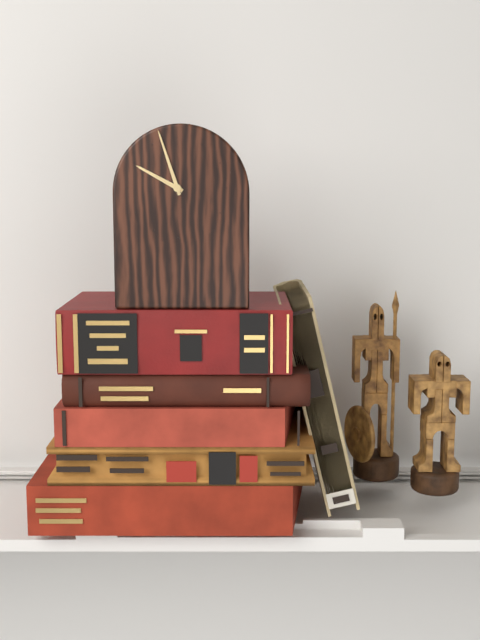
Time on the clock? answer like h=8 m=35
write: h=9 m=57
